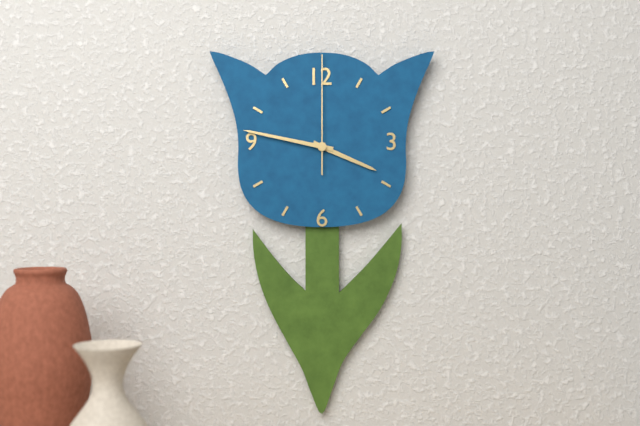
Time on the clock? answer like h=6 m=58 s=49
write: h=3 m=47 s=0
